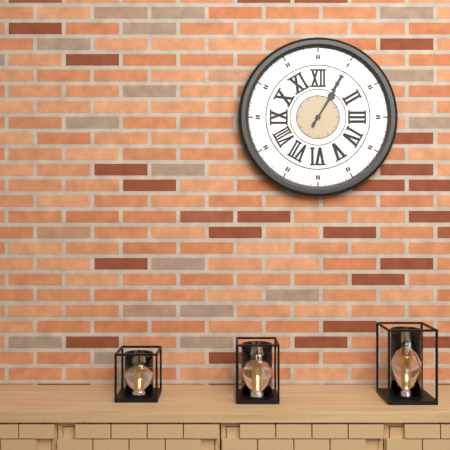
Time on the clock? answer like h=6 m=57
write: h=1 m=5
